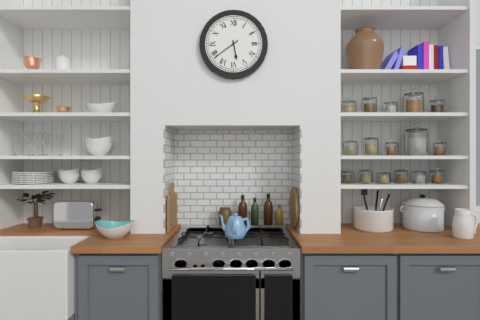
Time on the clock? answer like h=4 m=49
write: h=5 m=39
